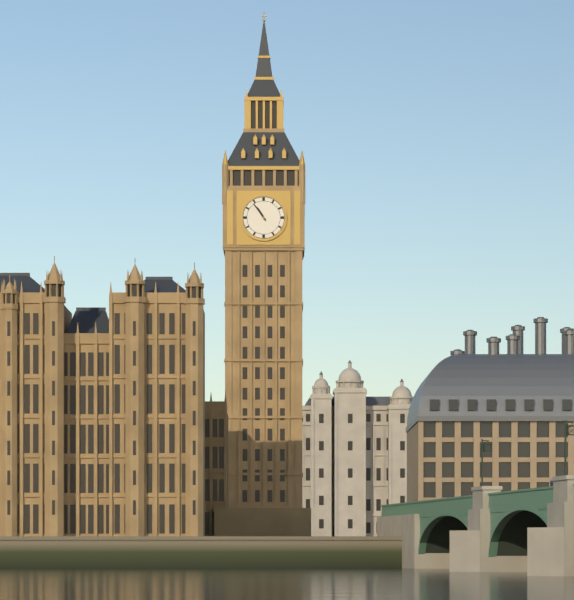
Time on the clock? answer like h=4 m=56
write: h=10 m=54
